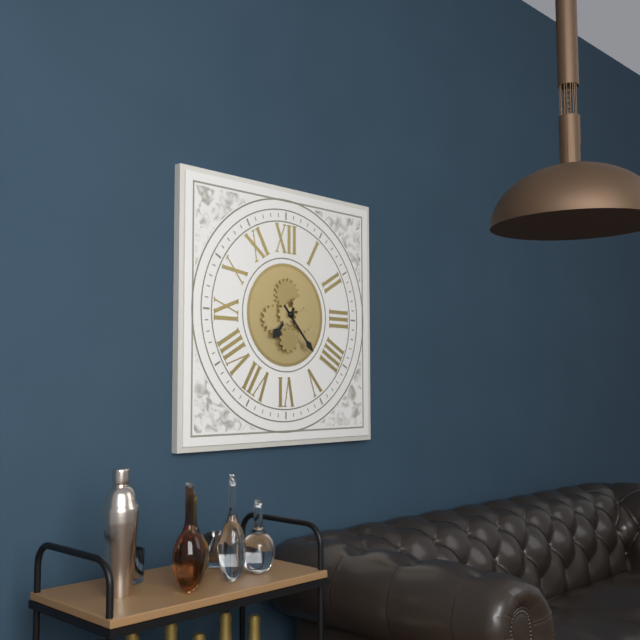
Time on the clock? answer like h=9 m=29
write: h=7 m=23
